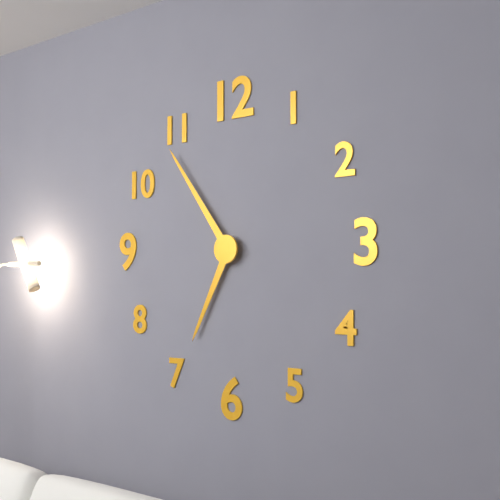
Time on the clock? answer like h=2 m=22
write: h=6 m=54
